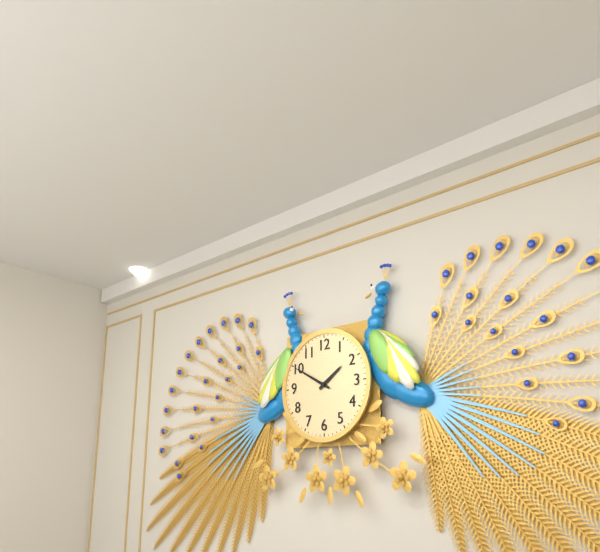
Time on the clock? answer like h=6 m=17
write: h=1 m=50
